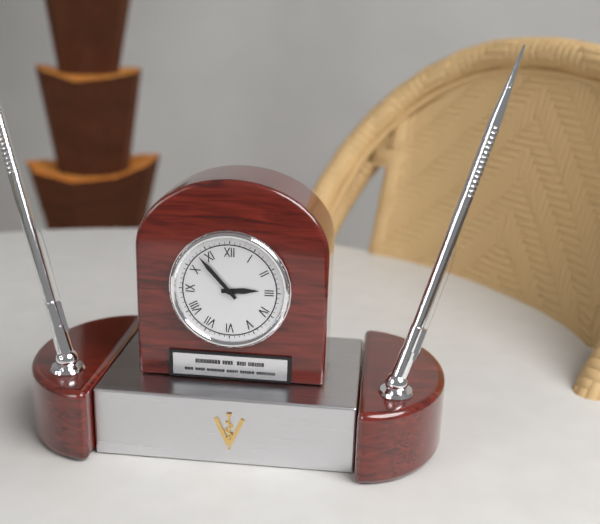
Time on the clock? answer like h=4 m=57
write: h=2 m=53
